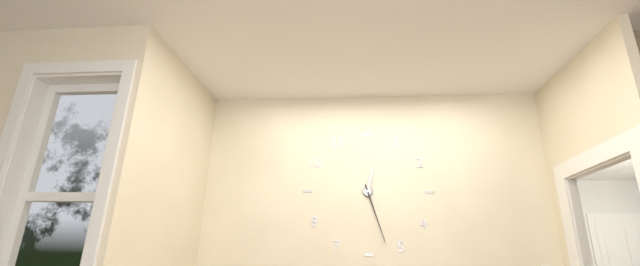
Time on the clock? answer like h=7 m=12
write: h=12 m=27
